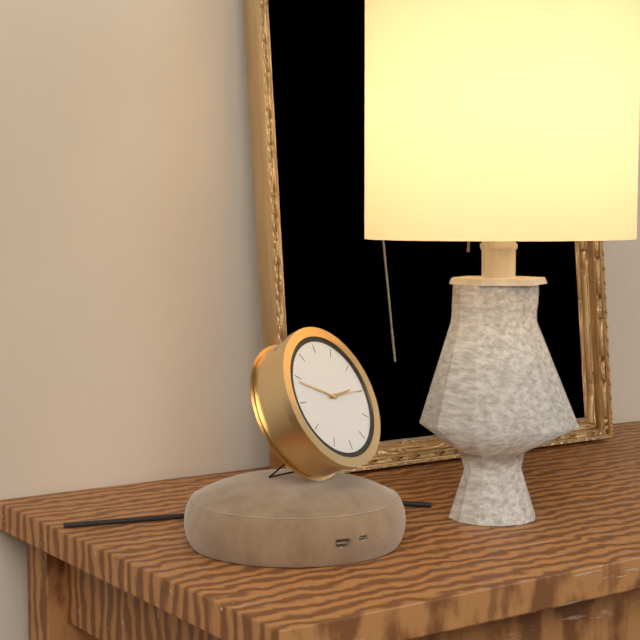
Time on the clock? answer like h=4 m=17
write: h=2 m=49
